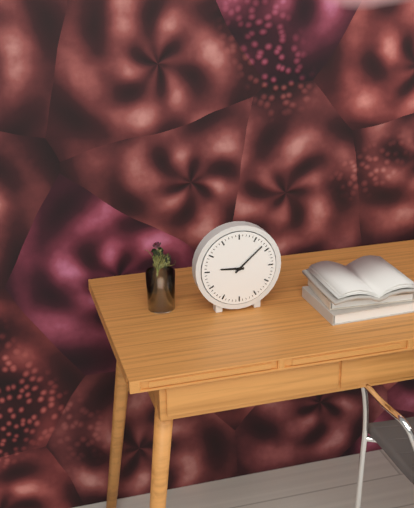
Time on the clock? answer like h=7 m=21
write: h=9 m=8
